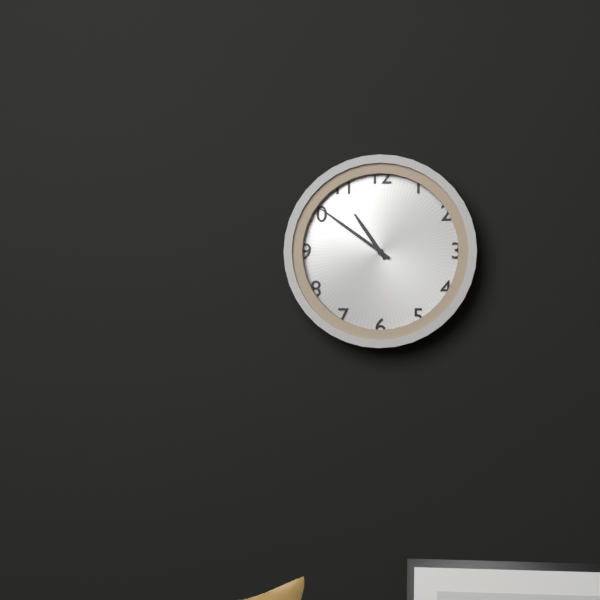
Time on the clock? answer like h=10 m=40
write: h=10 m=51
